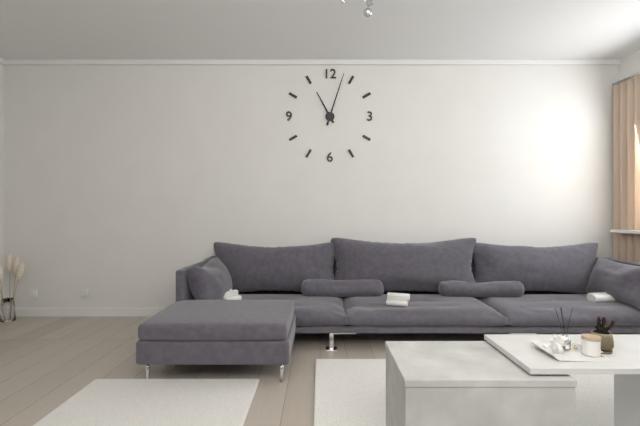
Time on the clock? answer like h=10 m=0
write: h=11 m=3
